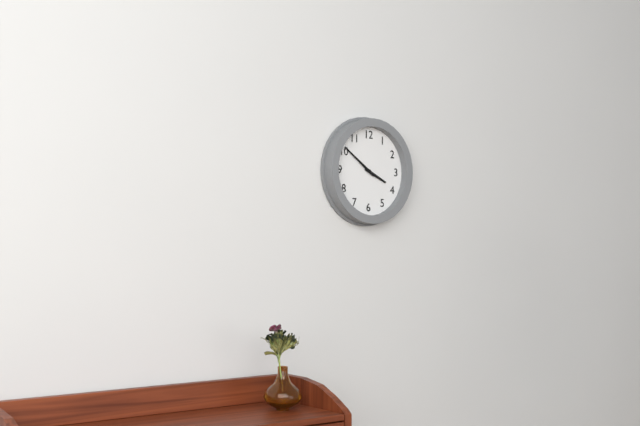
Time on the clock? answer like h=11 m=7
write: h=3 m=51
